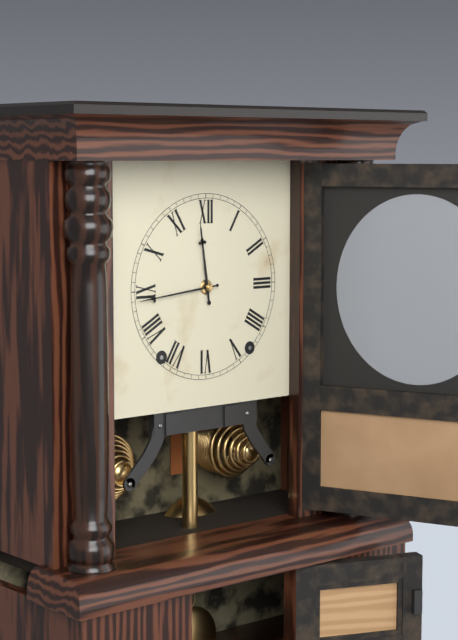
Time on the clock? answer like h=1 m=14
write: h=11 m=44
